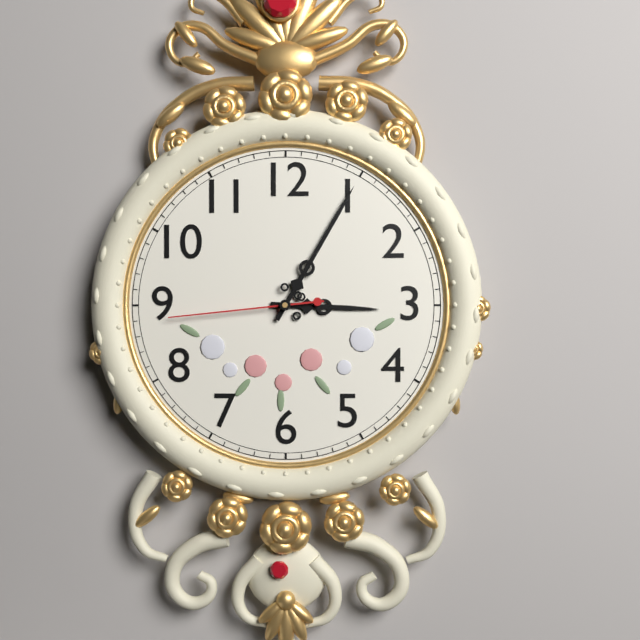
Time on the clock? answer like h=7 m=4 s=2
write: h=3 m=5 s=44
